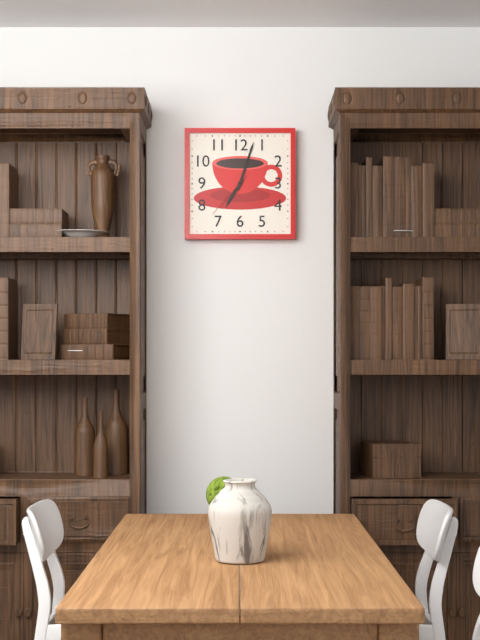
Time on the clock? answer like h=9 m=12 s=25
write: h=7 m=3 s=37
